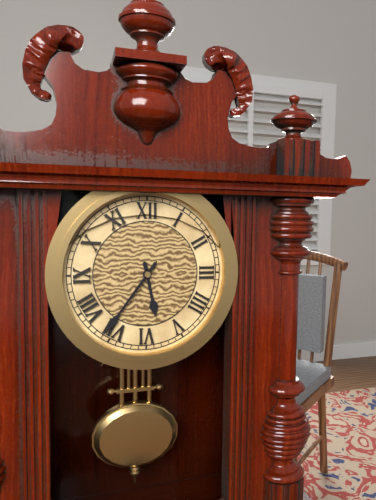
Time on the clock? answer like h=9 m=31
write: h=5 m=36
